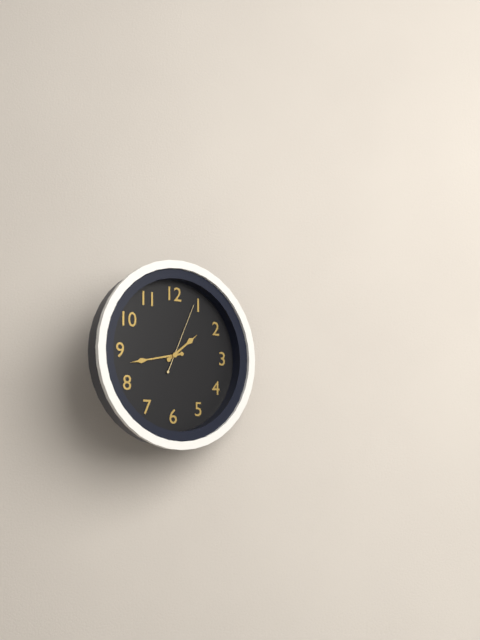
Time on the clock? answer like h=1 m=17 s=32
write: h=1 m=43 s=4
